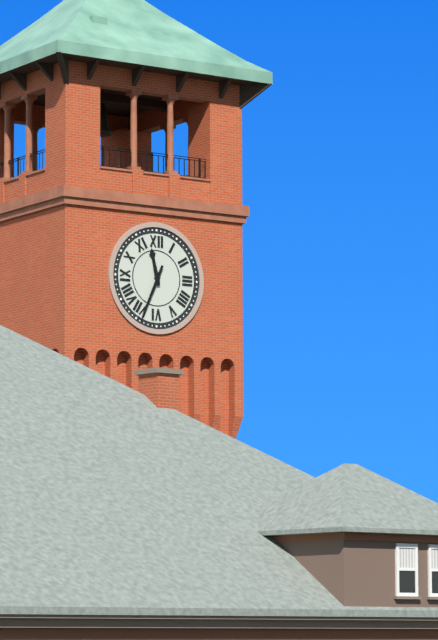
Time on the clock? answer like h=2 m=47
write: h=11 m=34
